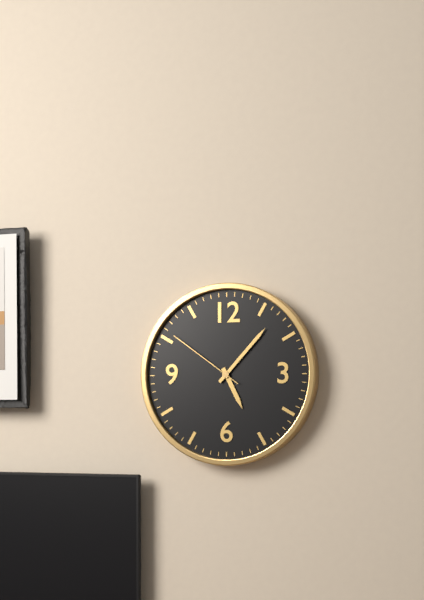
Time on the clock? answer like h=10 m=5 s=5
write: h=5 m=7 s=51
